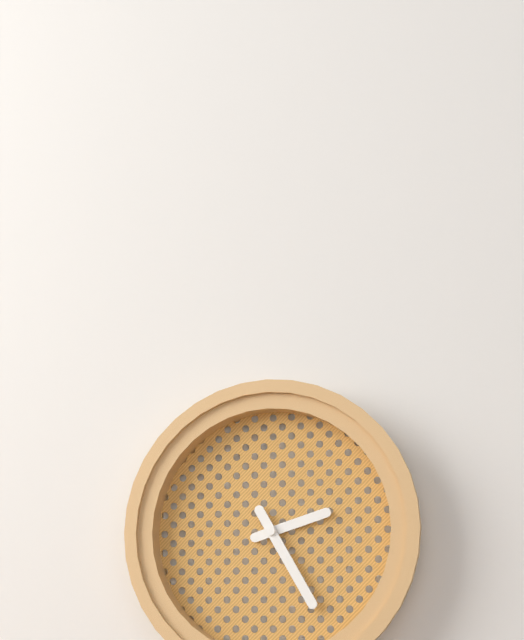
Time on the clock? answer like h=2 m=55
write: h=2 m=25
